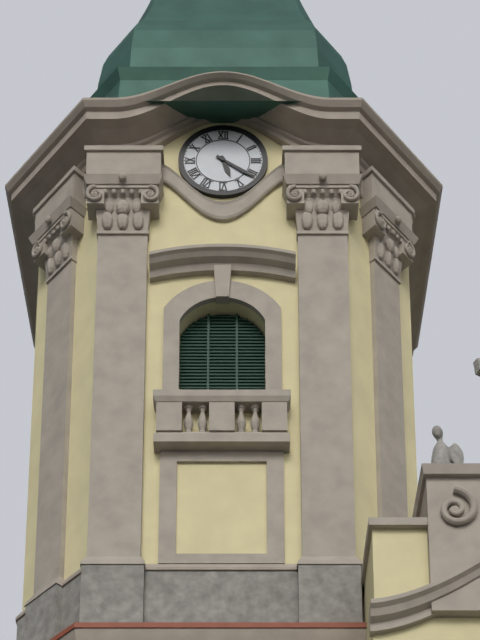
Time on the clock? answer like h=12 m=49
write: h=5 m=21
